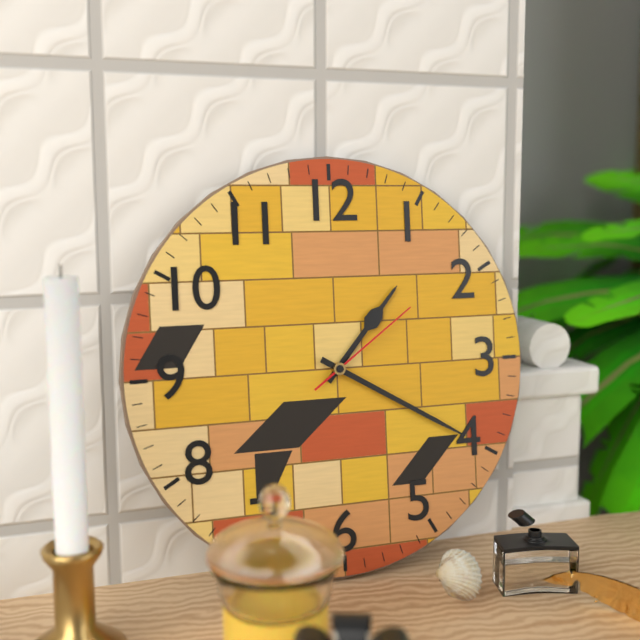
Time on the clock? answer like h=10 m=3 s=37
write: h=1 m=20 s=9
